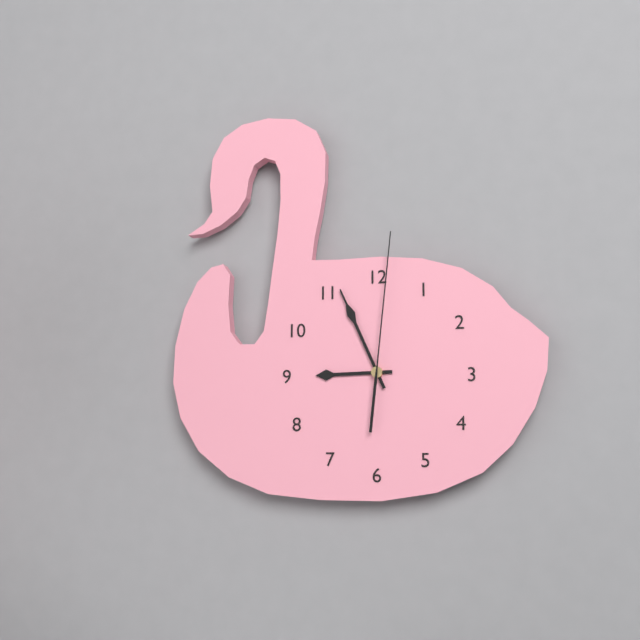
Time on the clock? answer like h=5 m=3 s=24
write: h=8 m=56 s=1
